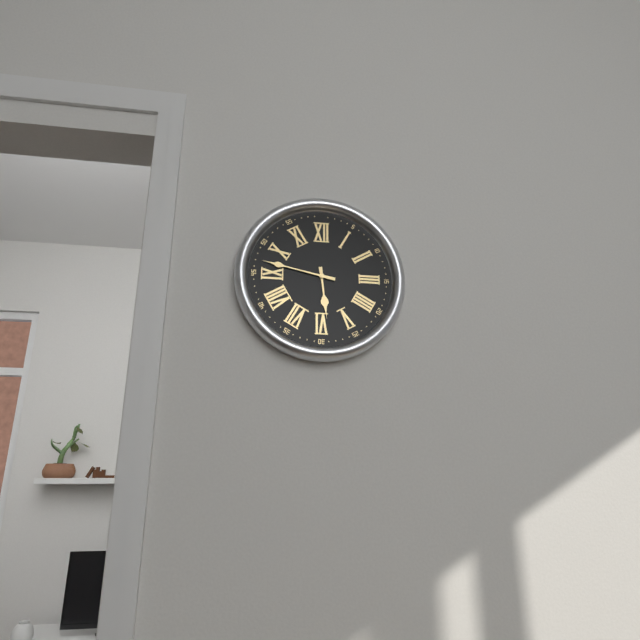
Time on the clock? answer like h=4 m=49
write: h=5 m=47
